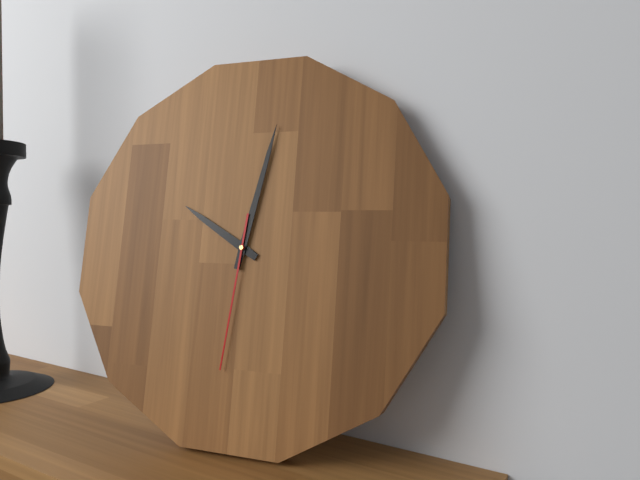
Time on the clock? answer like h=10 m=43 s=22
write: h=10 m=2 s=31
